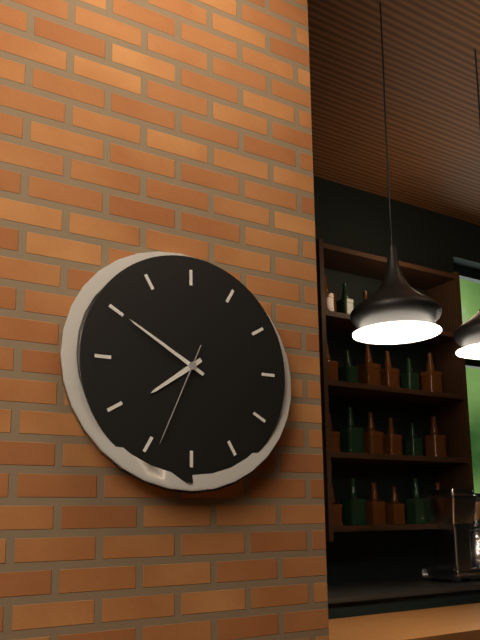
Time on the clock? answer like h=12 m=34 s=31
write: h=7 m=50 s=34
